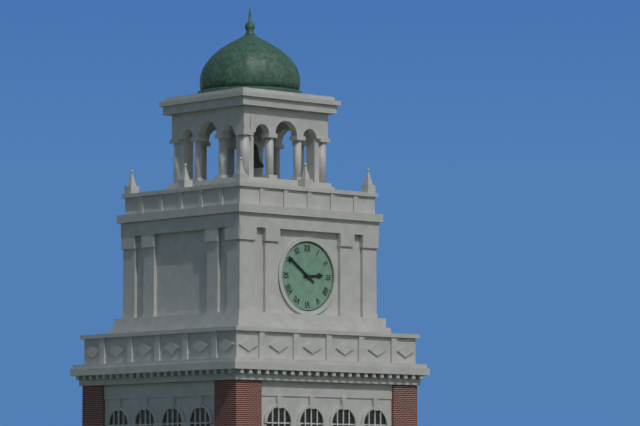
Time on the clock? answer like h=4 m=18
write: h=2 m=51
